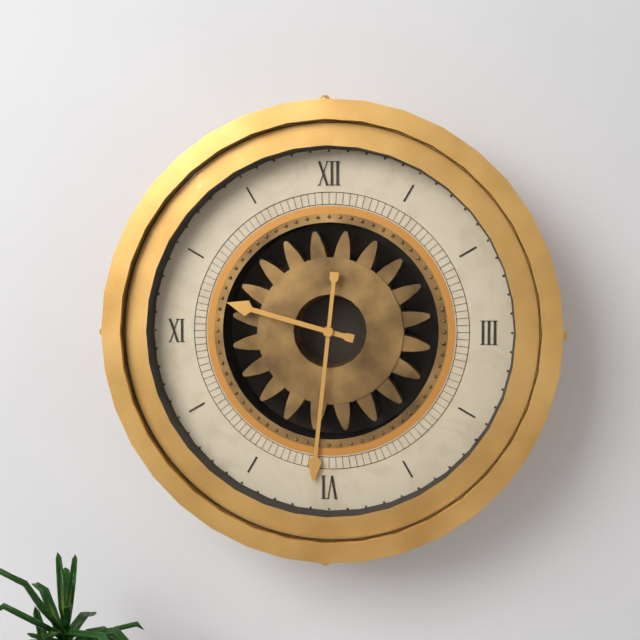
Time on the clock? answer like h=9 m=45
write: h=9 m=31
